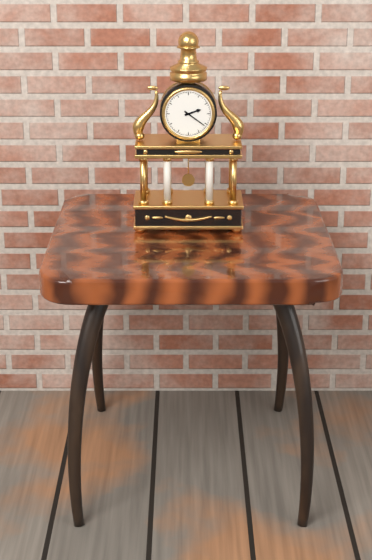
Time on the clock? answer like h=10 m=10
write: h=2 m=21
